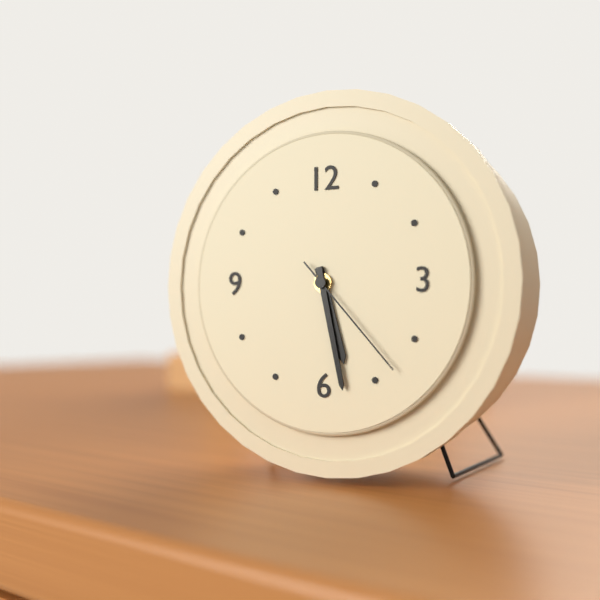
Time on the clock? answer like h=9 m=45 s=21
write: h=5 m=28 s=23
